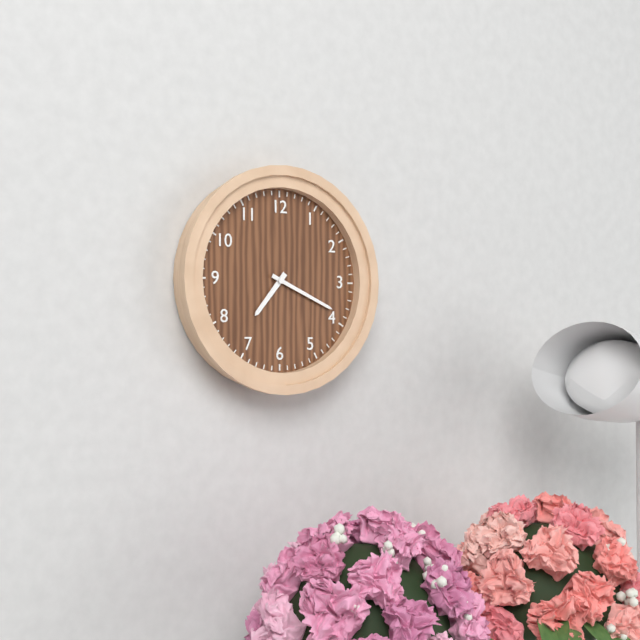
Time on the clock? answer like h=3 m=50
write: h=7 m=19
